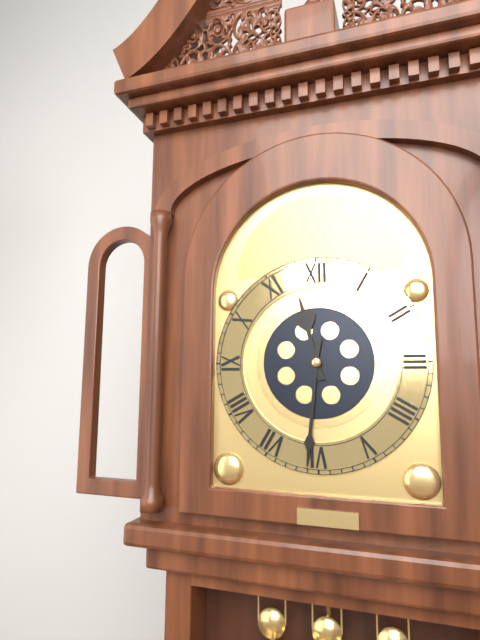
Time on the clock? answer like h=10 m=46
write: h=11 m=31
